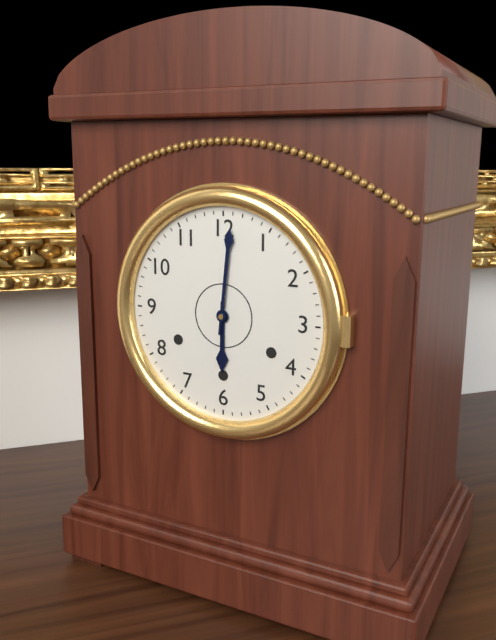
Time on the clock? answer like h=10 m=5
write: h=6 m=1
